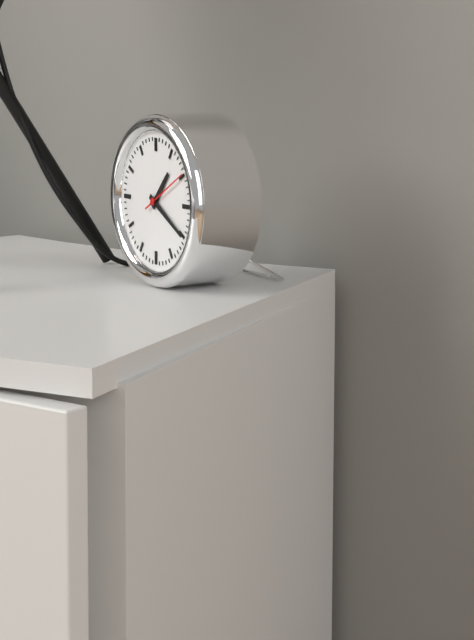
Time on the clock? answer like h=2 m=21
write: h=1 m=20
